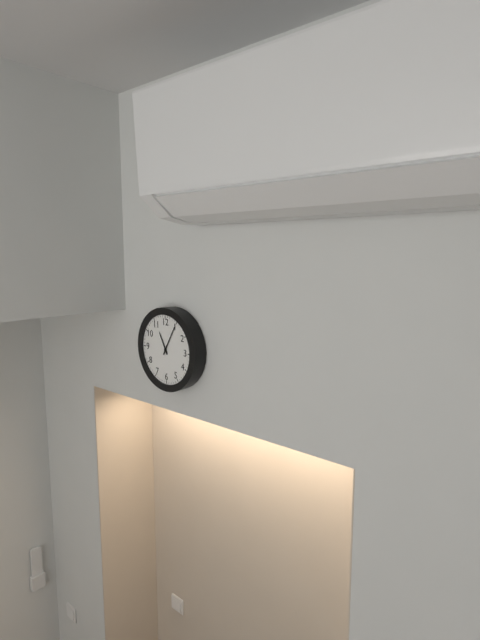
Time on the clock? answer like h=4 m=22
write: h=11 m=5
